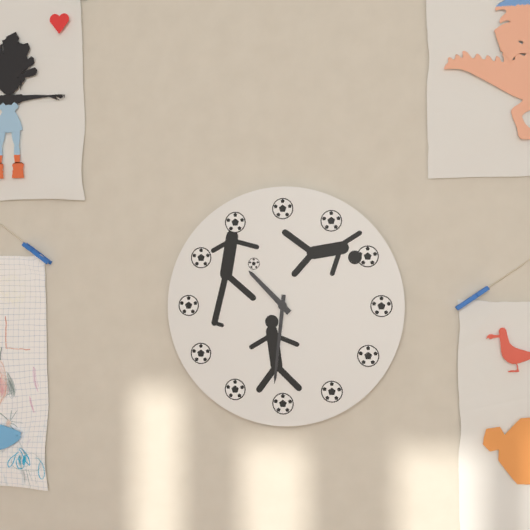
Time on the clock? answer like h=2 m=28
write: h=10 m=31
